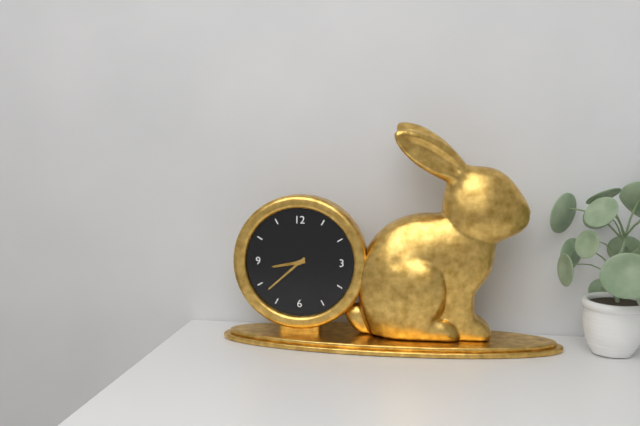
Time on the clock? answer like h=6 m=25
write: h=8 m=38
